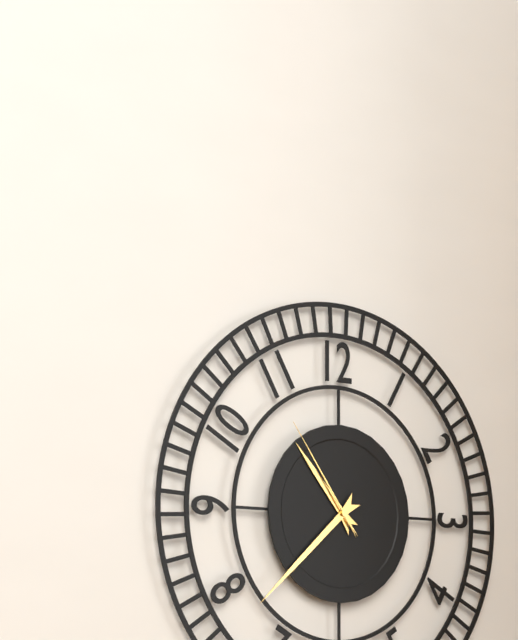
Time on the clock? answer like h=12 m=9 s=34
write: h=10 m=38 s=54
